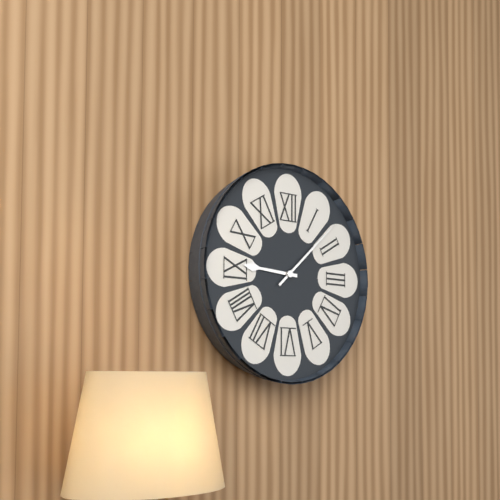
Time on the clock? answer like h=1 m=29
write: h=9 m=8
